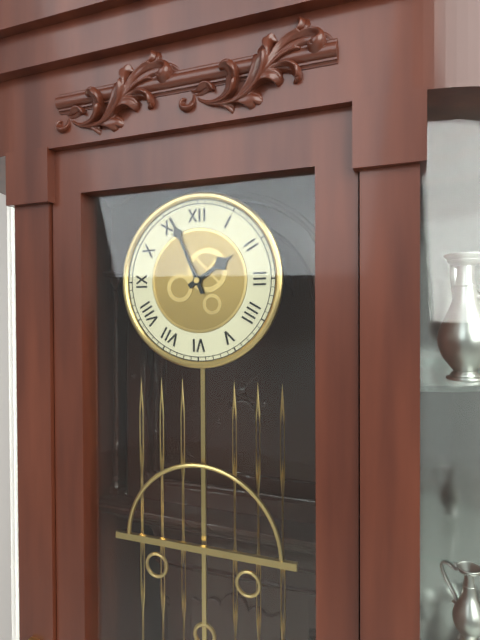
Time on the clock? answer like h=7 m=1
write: h=1 m=56
